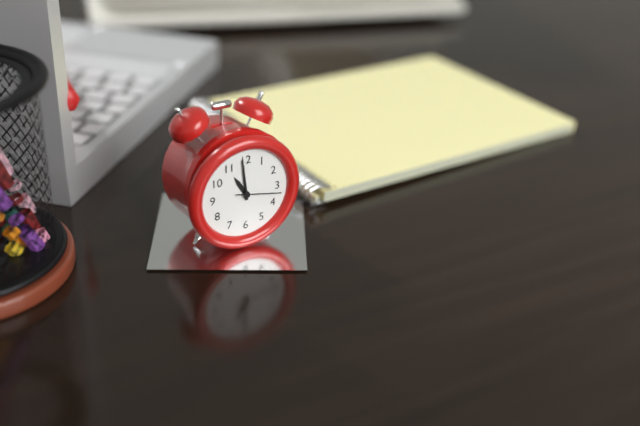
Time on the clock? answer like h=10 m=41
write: h=10 m=59
